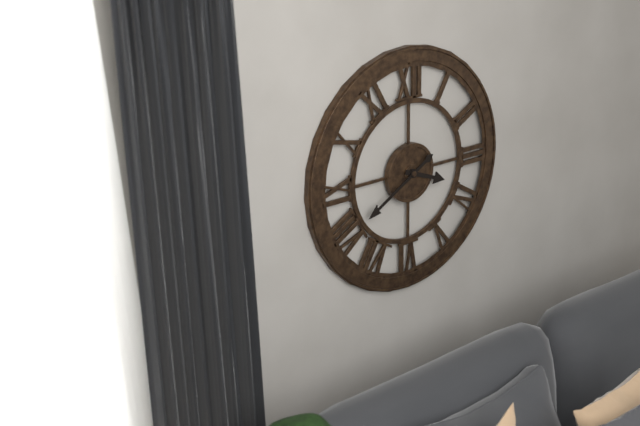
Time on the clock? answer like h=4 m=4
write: h=3 m=40
